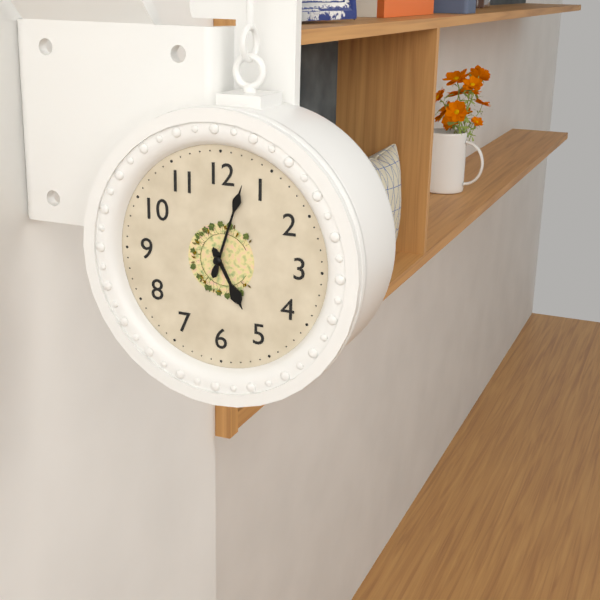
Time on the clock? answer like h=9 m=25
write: h=5 m=3
